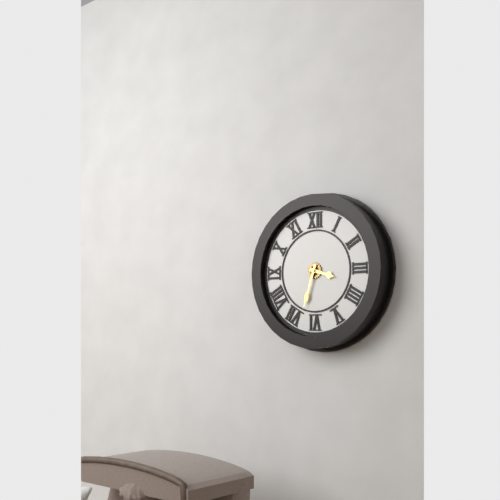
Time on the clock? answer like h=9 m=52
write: h=3 m=33
